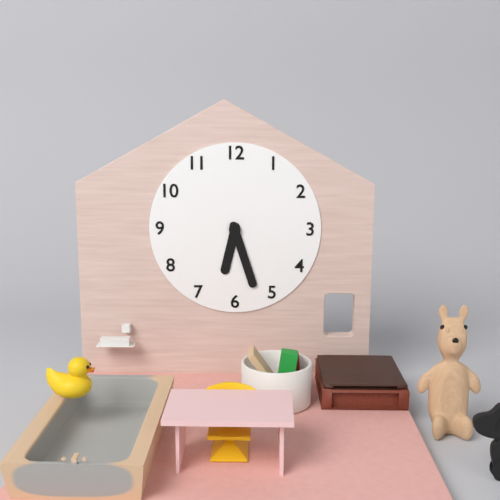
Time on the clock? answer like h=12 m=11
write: h=6 m=27
